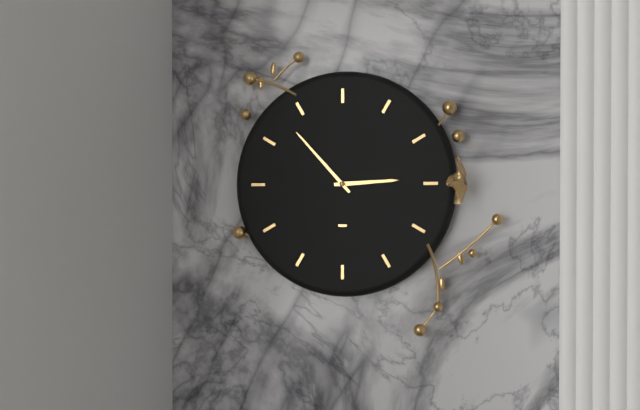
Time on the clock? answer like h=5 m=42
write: h=2 m=53
